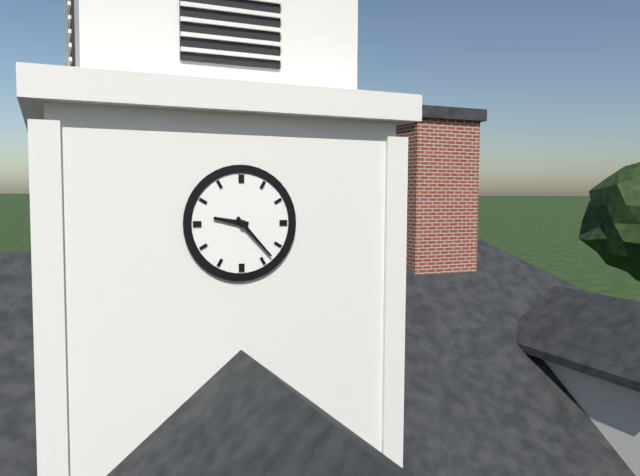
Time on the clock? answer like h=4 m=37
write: h=9 m=23
